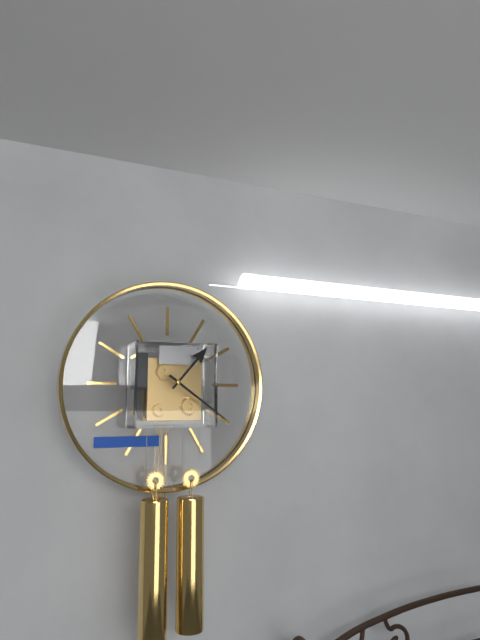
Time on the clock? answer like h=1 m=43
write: h=1 m=21
